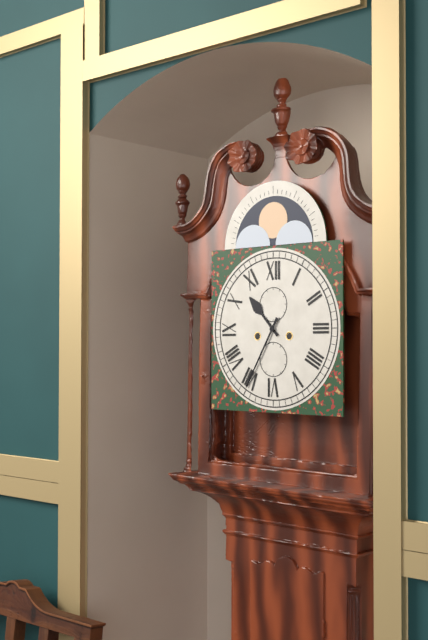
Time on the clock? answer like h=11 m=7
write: h=10 m=35
